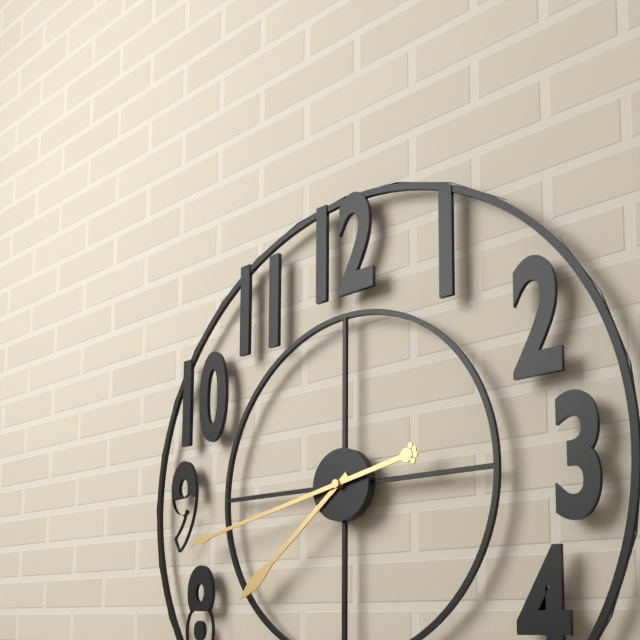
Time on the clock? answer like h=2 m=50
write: h=7 m=43
